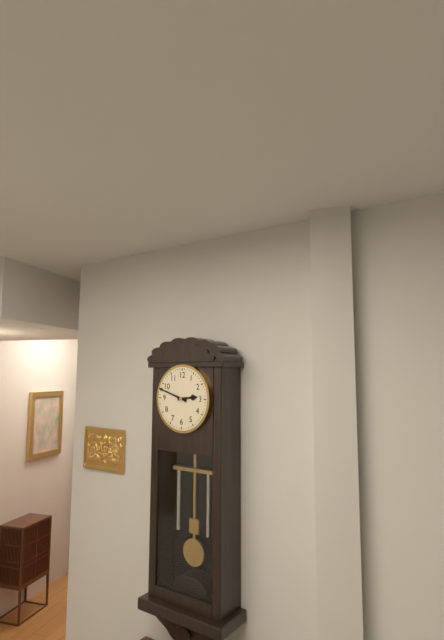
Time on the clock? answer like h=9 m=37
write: h=2 m=48
